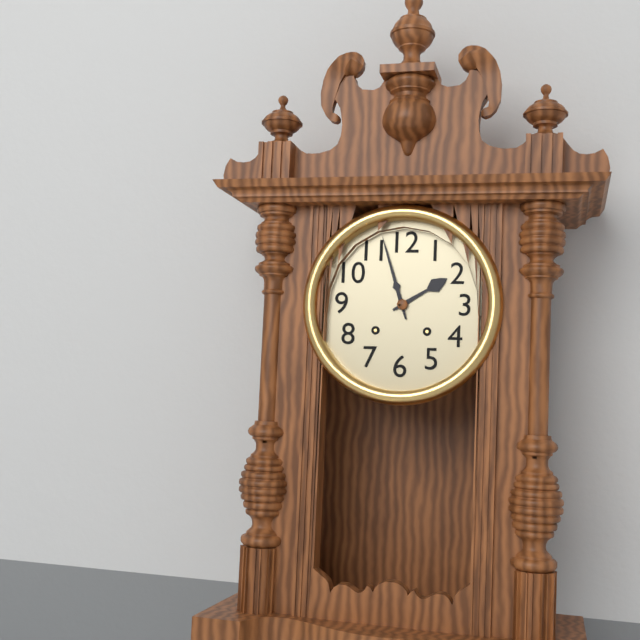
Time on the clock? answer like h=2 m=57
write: h=1 m=57
